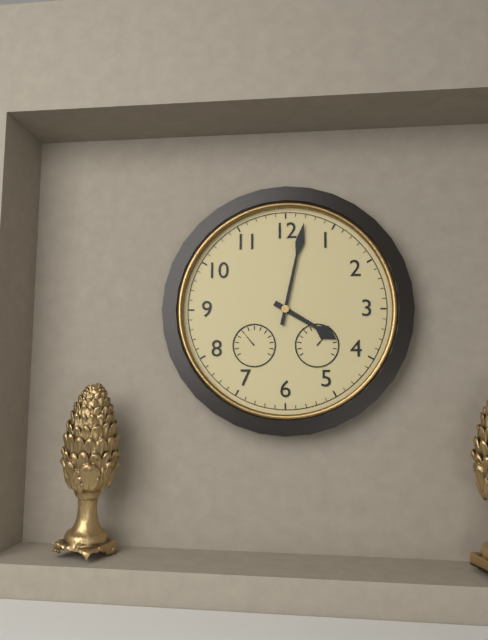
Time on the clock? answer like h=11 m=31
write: h=4 m=2
